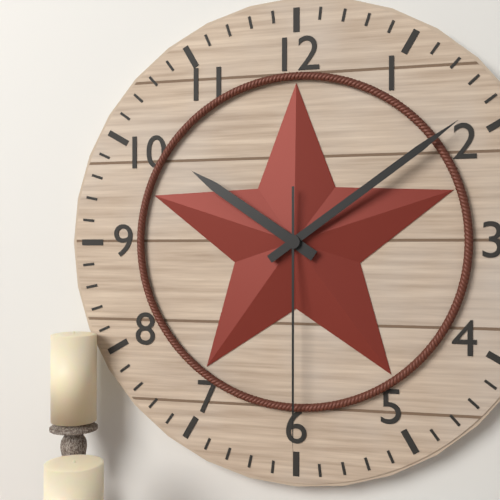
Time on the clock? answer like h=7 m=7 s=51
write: h=10 m=9 s=30
